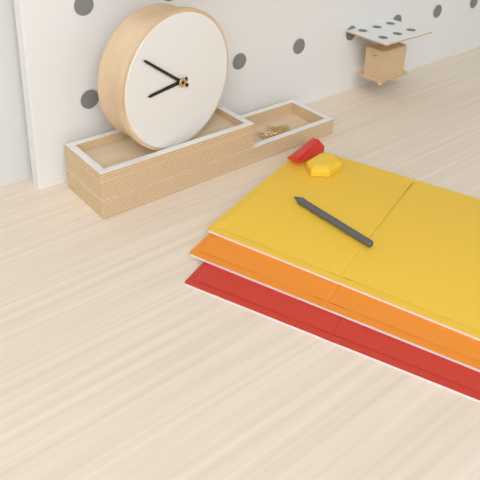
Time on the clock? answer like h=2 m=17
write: h=8 m=51
